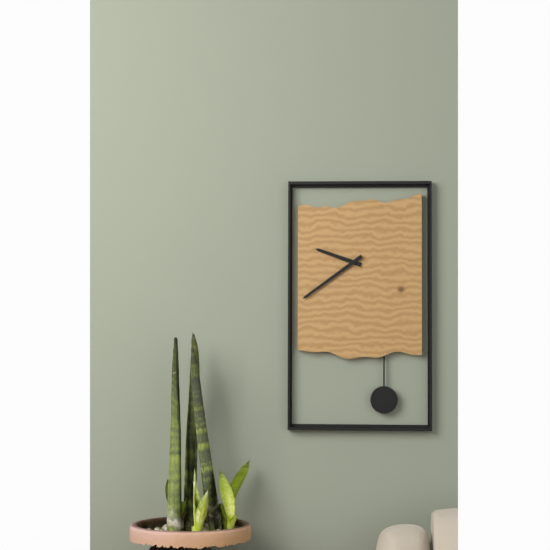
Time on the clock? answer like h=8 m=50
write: h=9 m=39
